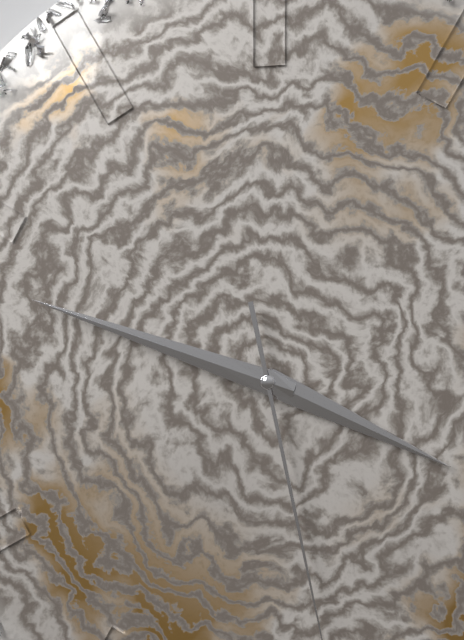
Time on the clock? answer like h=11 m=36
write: h=3 m=48
